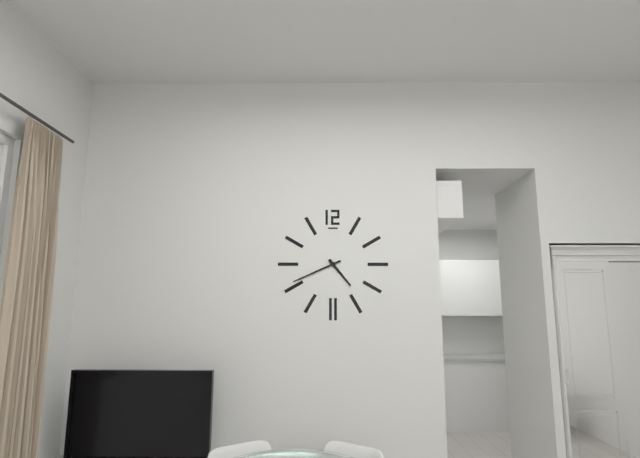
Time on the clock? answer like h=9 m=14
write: h=4 m=41
